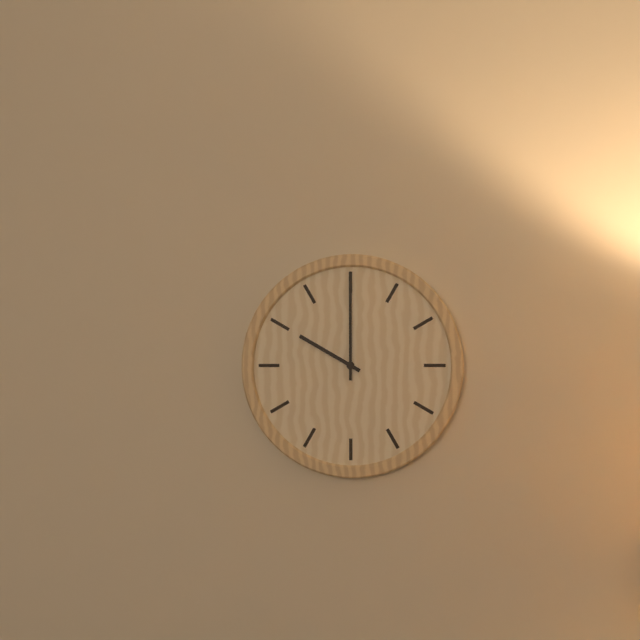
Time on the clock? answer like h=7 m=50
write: h=10 m=0
